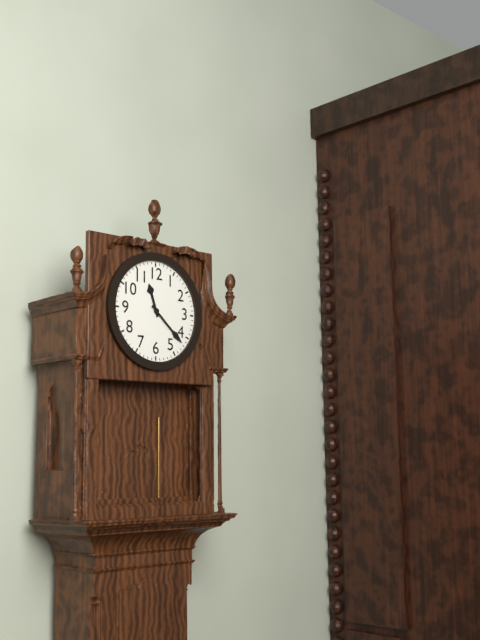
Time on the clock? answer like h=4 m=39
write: h=11 m=22
